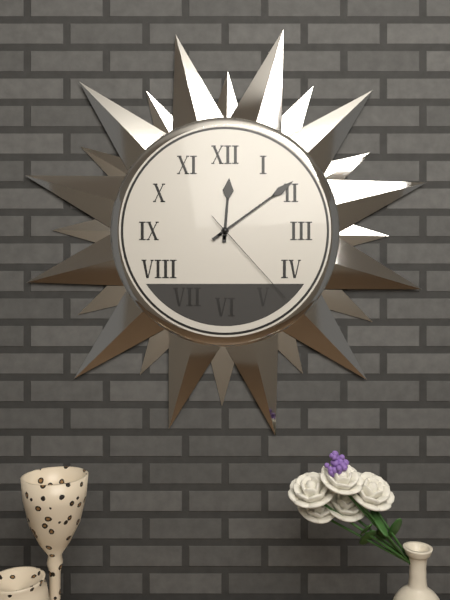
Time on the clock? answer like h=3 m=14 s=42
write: h=12 m=9 s=23
